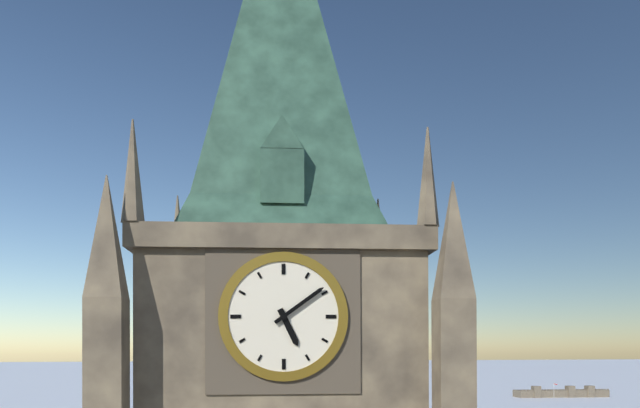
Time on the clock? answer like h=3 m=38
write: h=5 m=9
